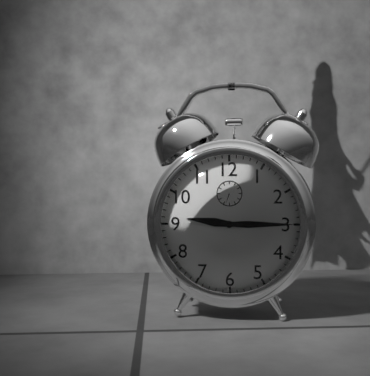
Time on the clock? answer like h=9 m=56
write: h=9 m=15
